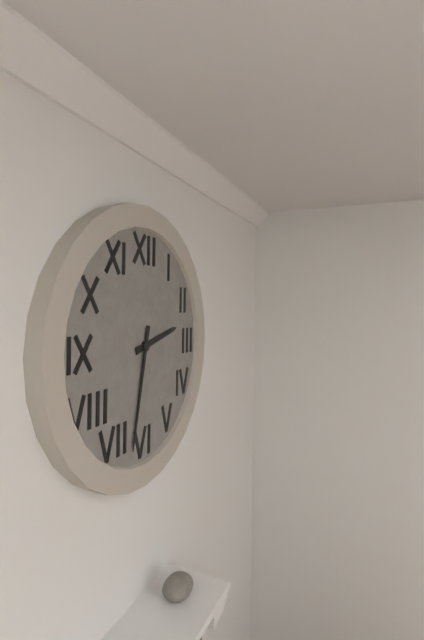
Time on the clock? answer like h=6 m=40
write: h=2 m=32
